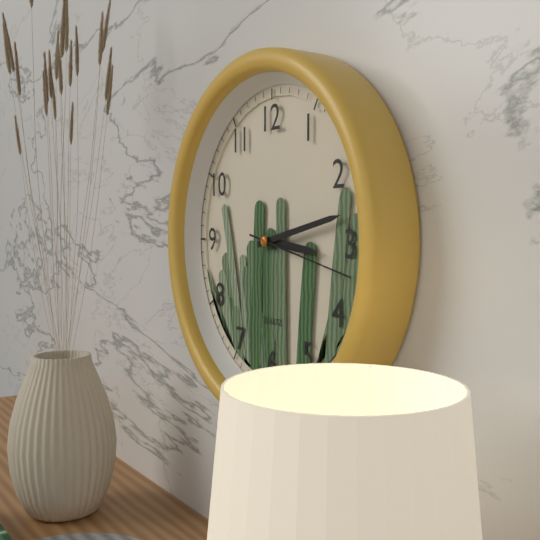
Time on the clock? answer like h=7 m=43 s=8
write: h=3 m=13 s=17
